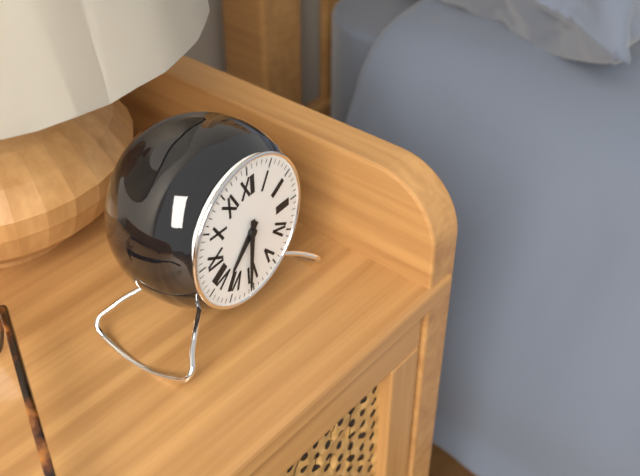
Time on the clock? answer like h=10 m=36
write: h=7 m=31
